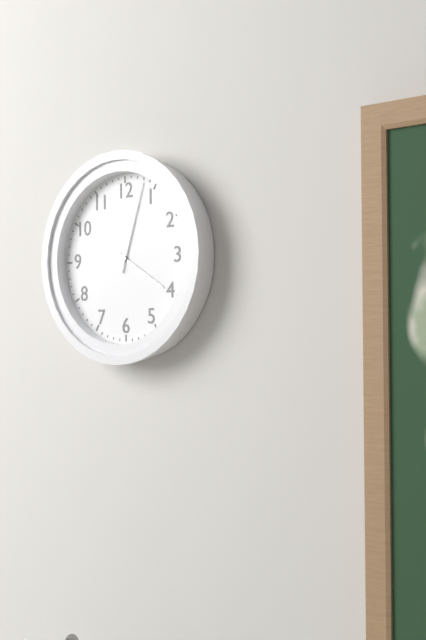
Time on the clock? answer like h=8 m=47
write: h=4 m=3
